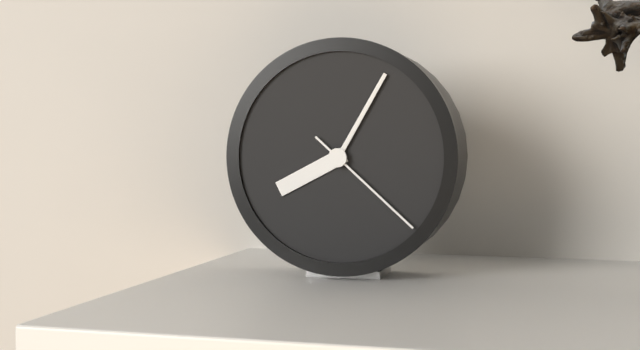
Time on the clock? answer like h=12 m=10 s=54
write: h=8 m=5 s=22
